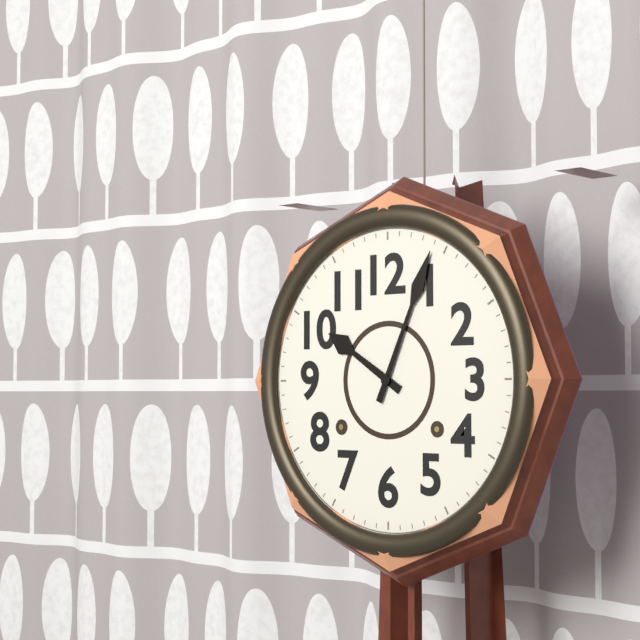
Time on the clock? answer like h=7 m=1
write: h=10 m=4
